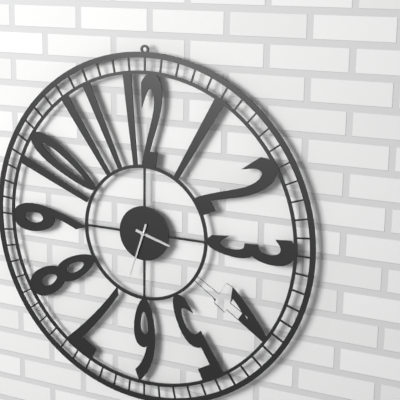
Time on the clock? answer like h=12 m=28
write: h=3 m=33
